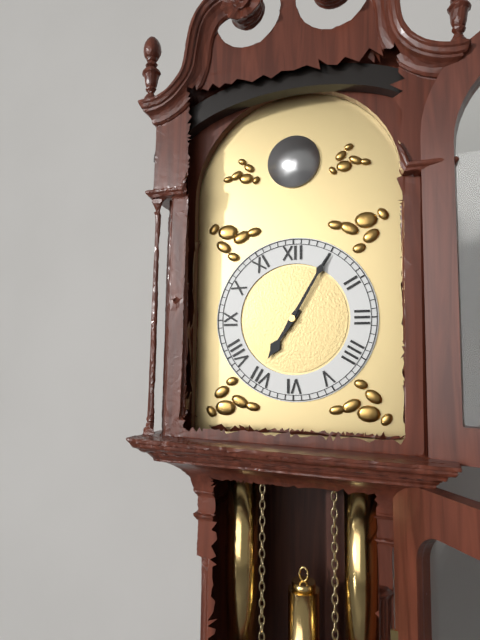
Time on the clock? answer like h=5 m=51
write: h=7 m=5
